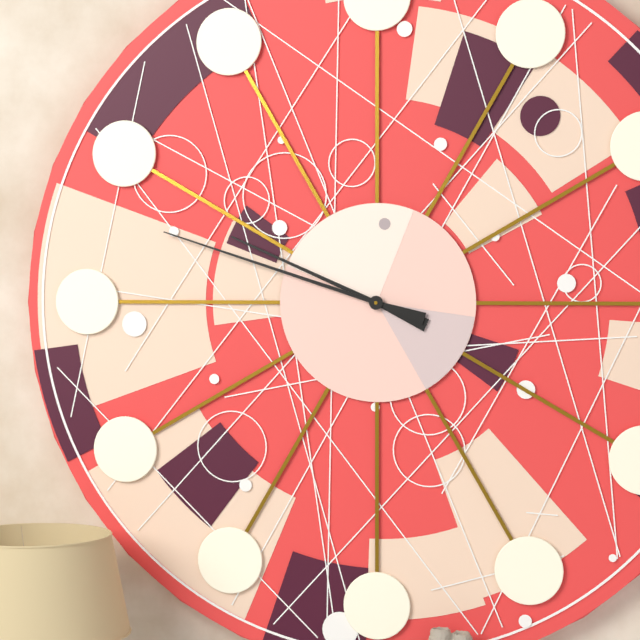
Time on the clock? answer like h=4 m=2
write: h=9 m=48
